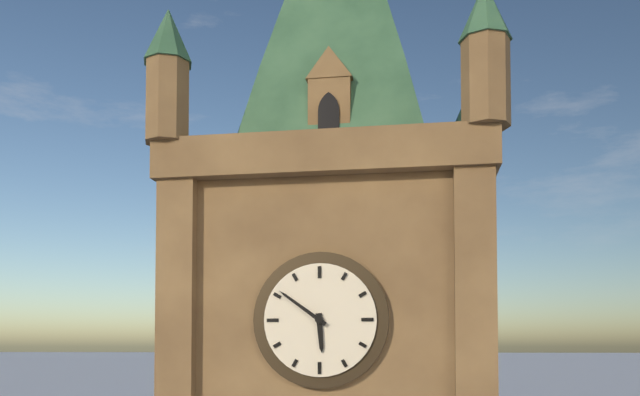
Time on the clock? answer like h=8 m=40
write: h=5 m=51
